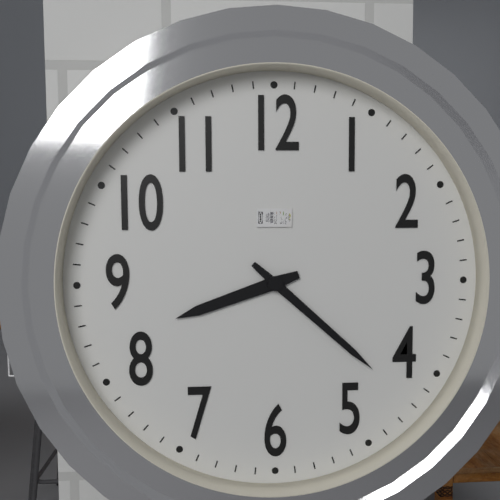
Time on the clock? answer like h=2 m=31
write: h=8 m=22
